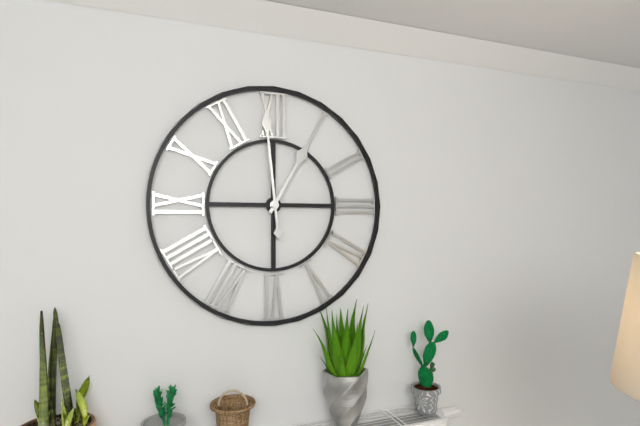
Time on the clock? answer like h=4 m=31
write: h=12 m=59
